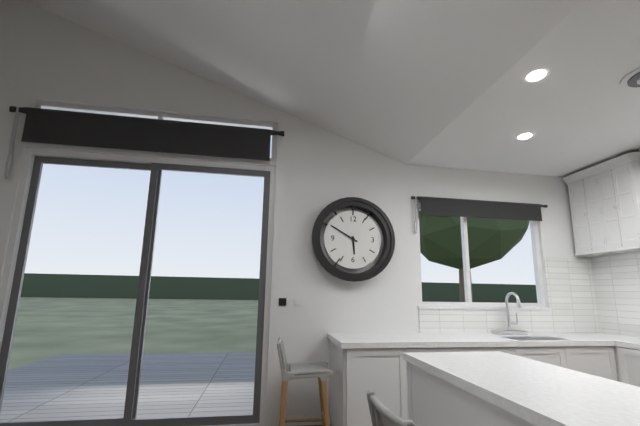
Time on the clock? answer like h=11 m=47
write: h=5 m=50
